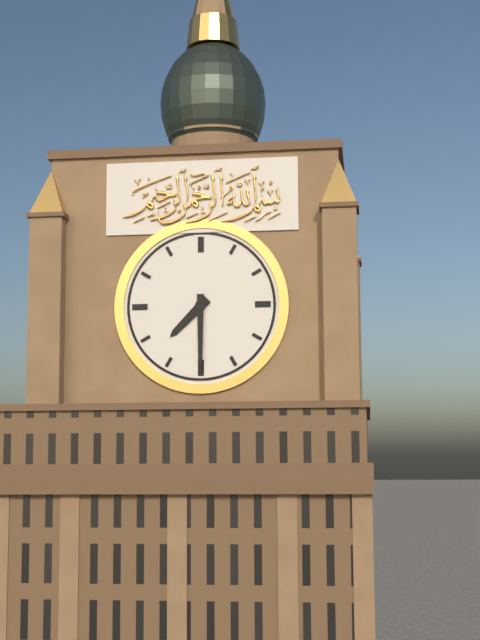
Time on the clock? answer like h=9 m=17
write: h=7 m=30
